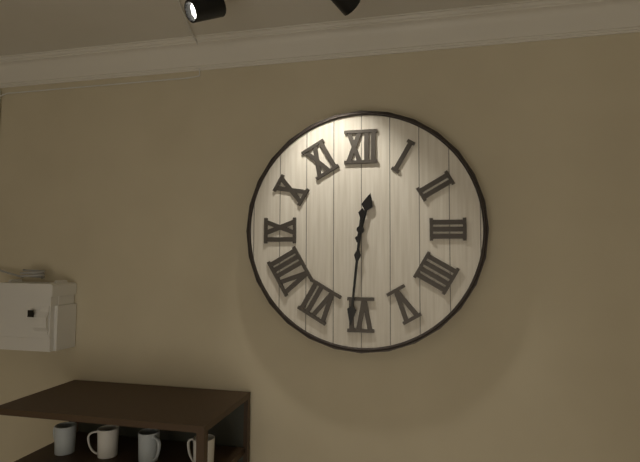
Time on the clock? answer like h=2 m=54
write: h=12 m=31
